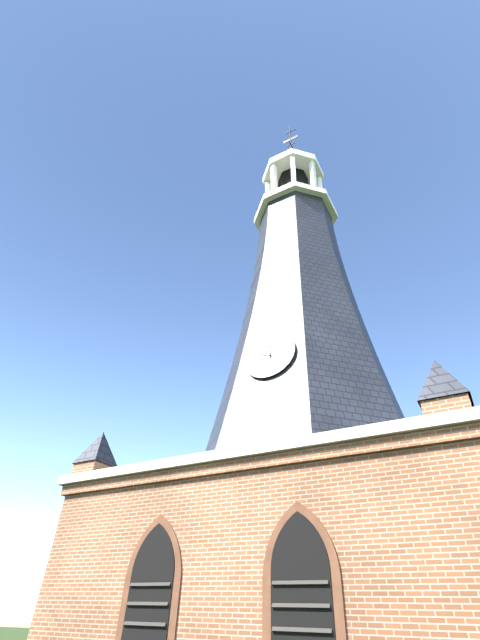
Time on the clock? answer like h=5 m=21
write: h=9 m=59
